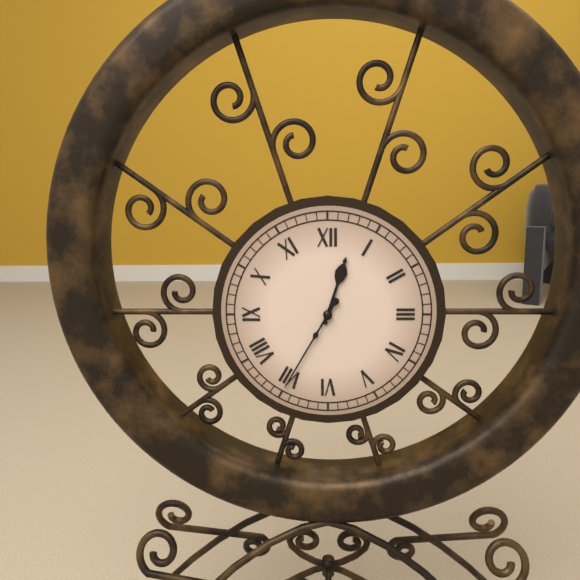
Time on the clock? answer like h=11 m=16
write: h=12 m=35
